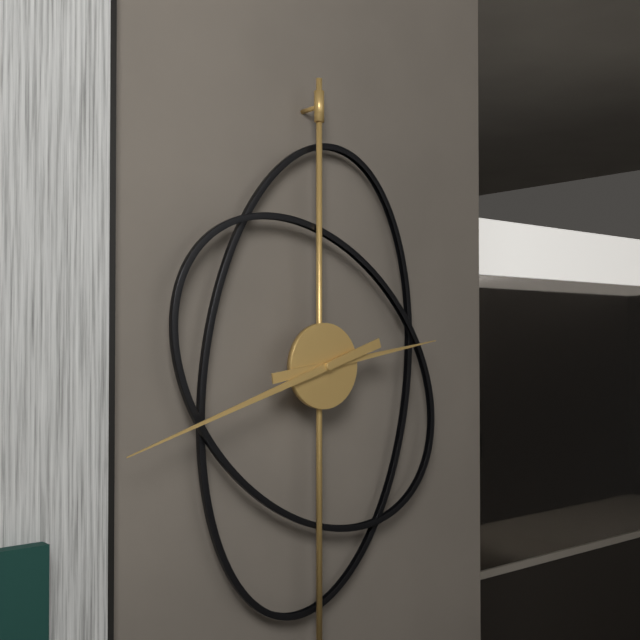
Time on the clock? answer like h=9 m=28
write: h=2 m=42
